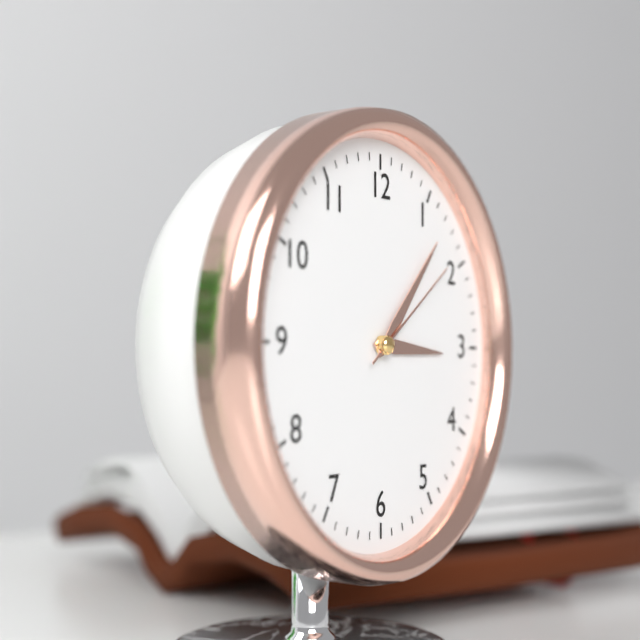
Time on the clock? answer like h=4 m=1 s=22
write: h=3 m=7 s=9
